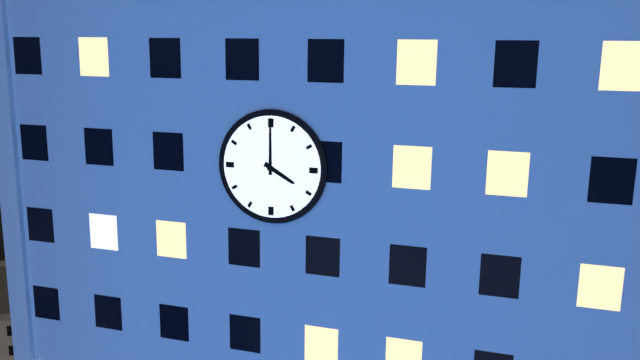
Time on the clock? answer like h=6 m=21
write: h=4 m=0
